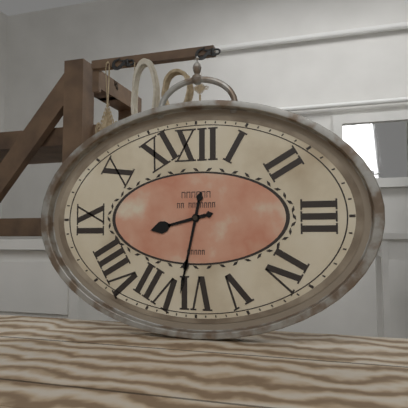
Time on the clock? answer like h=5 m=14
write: h=8 m=32
